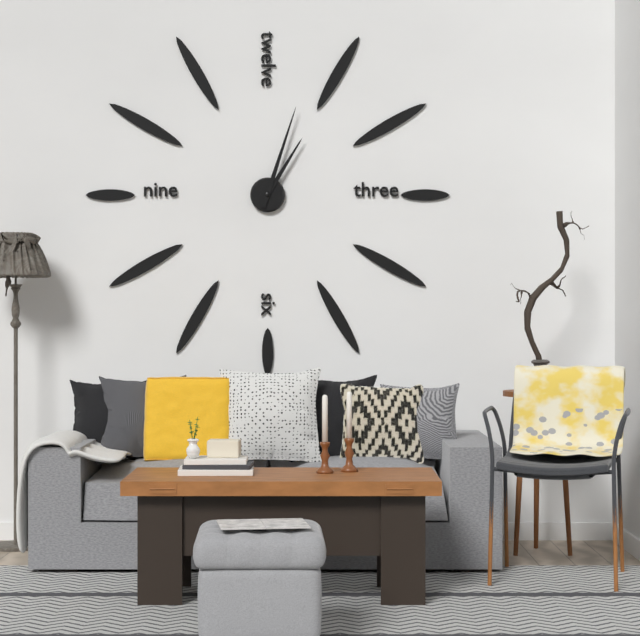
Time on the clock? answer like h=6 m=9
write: h=1 m=3
